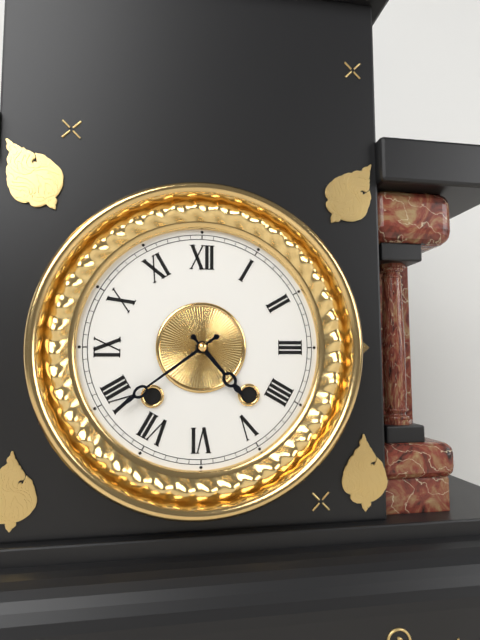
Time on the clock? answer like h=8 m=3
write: h=4 m=39
